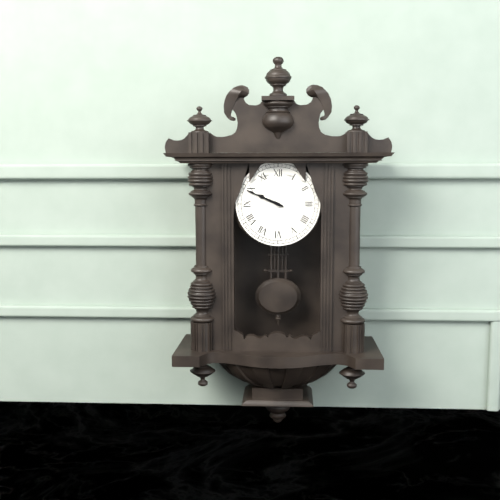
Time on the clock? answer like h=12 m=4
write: h=9 m=49
